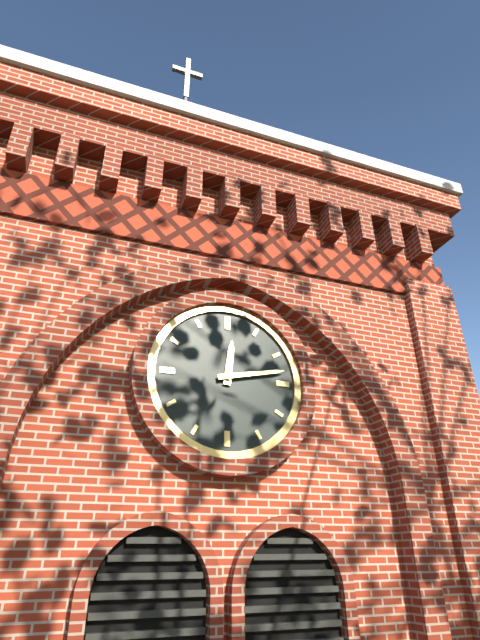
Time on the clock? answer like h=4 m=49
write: h=12 m=13
